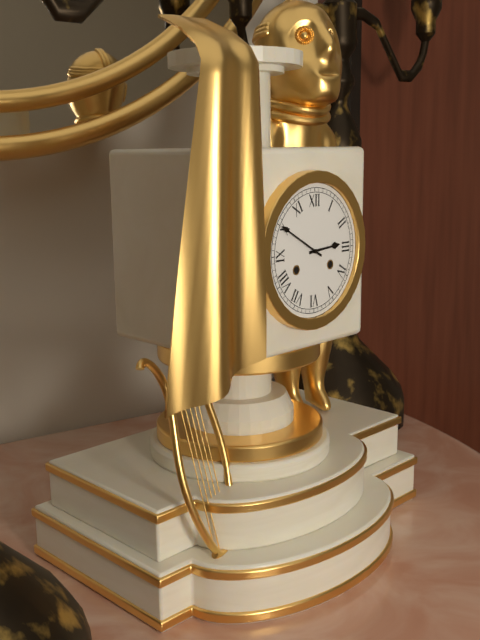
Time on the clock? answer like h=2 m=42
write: h=2 m=50
